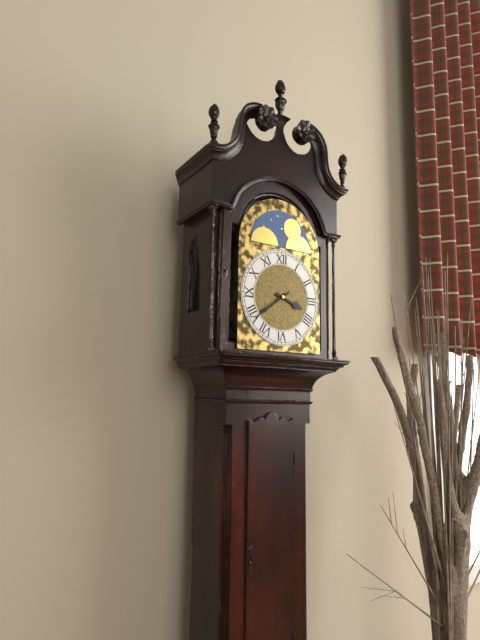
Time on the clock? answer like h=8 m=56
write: h=3 m=39
